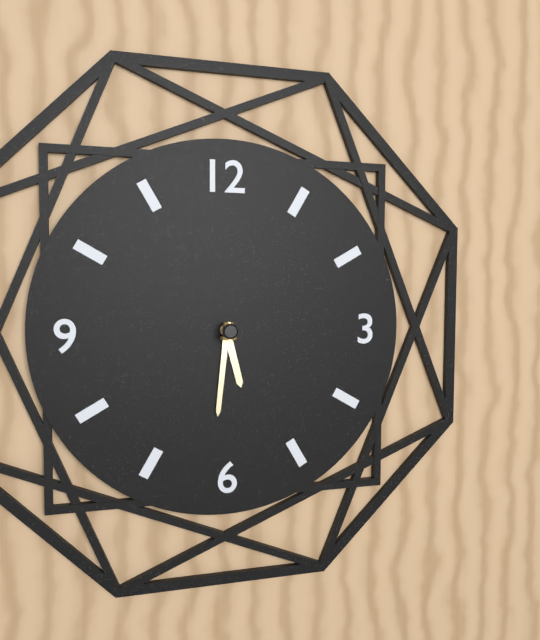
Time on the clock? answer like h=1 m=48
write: h=5 m=31
